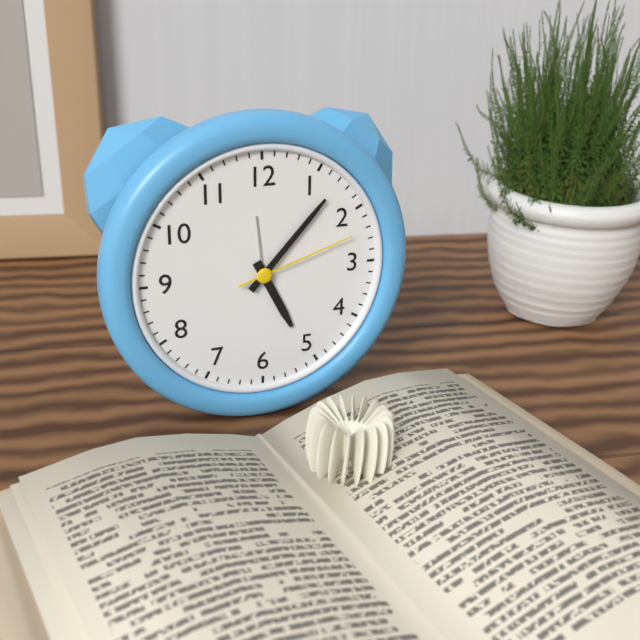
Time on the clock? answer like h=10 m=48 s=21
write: h=5 m=7 s=12
